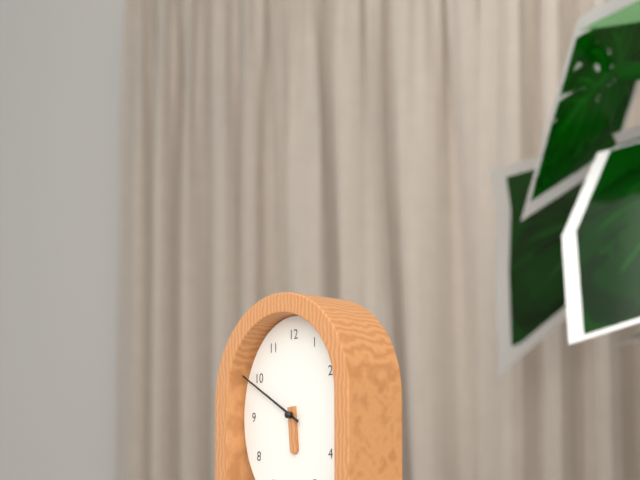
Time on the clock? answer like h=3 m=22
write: h=5 m=50
